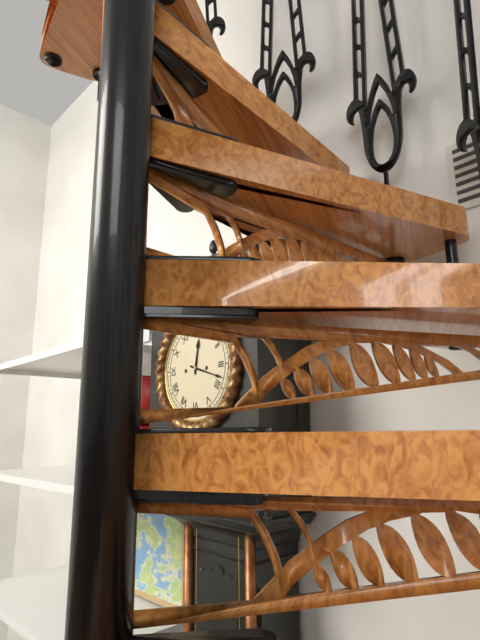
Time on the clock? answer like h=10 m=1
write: h=12 m=18
